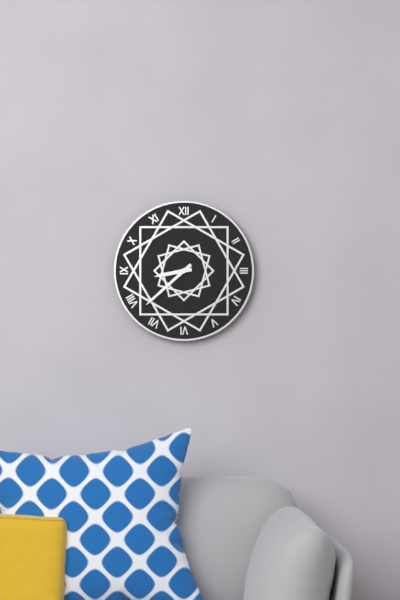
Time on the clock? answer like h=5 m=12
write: h=8 m=38
